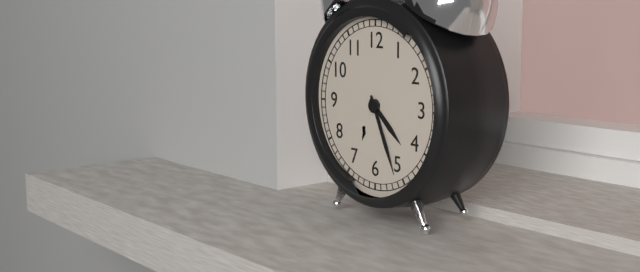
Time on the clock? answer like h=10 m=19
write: h=4 m=26
